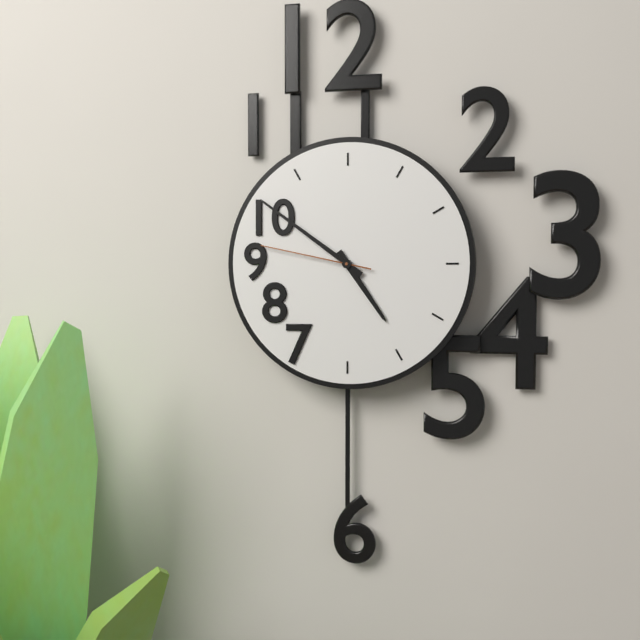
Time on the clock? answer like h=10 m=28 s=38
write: h=4 m=51 s=47
